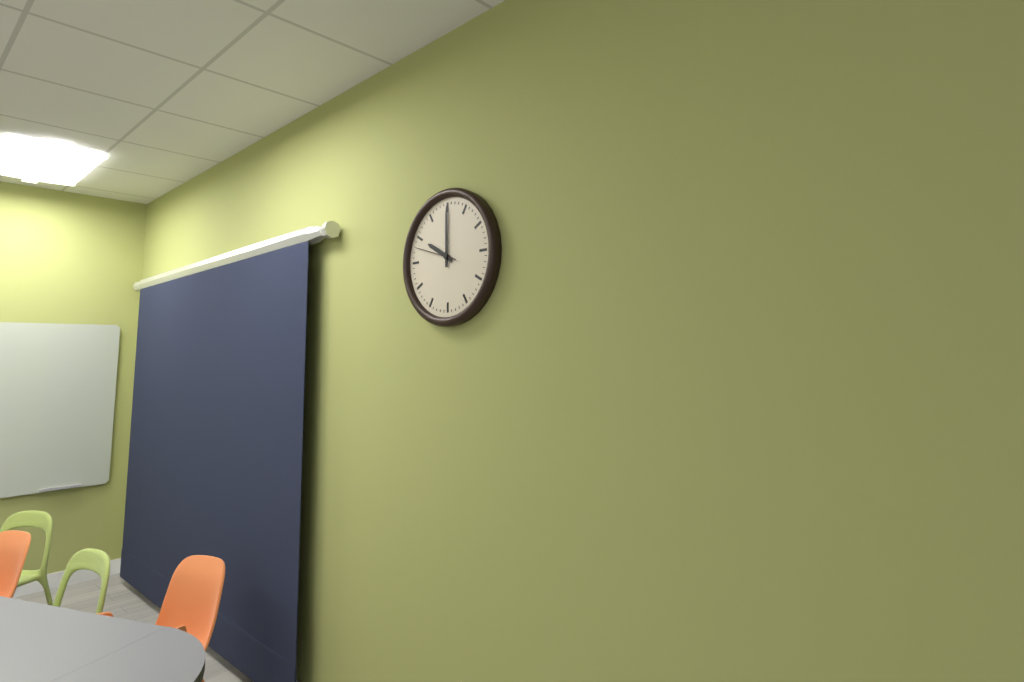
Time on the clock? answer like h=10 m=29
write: h=10 m=0
